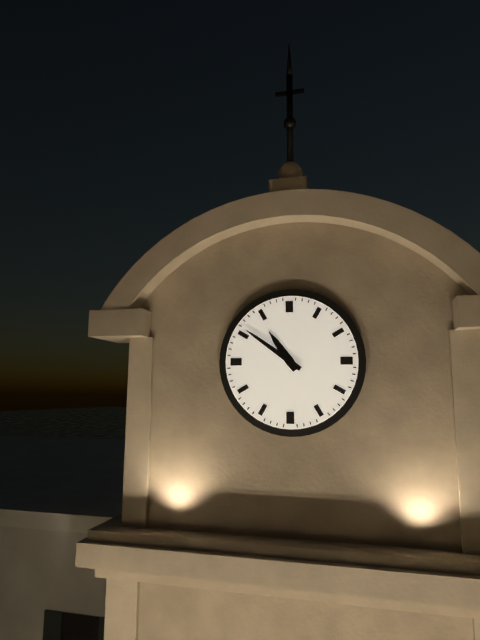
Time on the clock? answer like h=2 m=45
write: h=10 m=51
